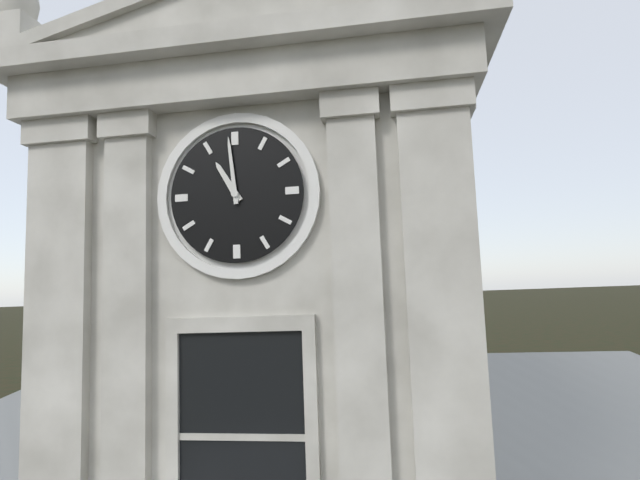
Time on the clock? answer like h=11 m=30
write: h=10 m=59
